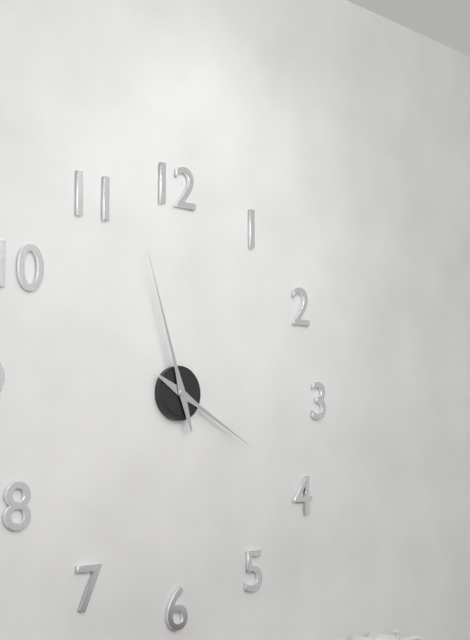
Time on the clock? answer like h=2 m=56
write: h=3 m=57
